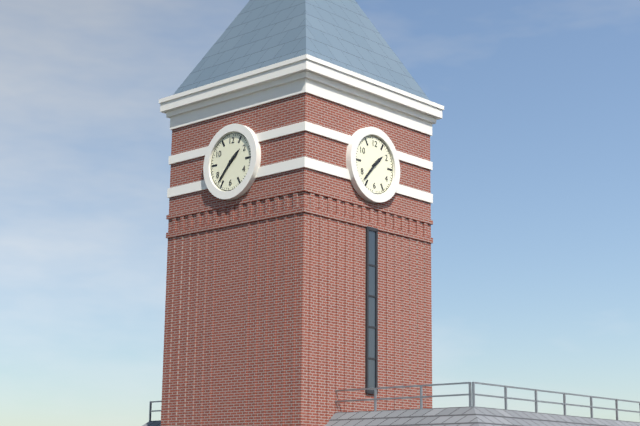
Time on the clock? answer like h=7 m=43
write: h=1 m=37
